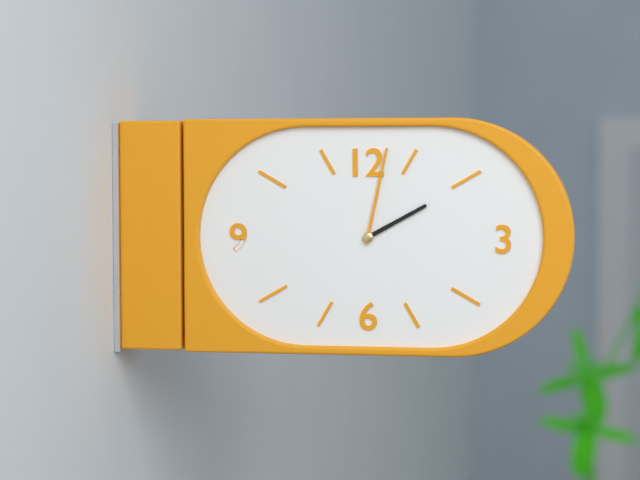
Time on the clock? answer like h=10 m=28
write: h=2 m=2
